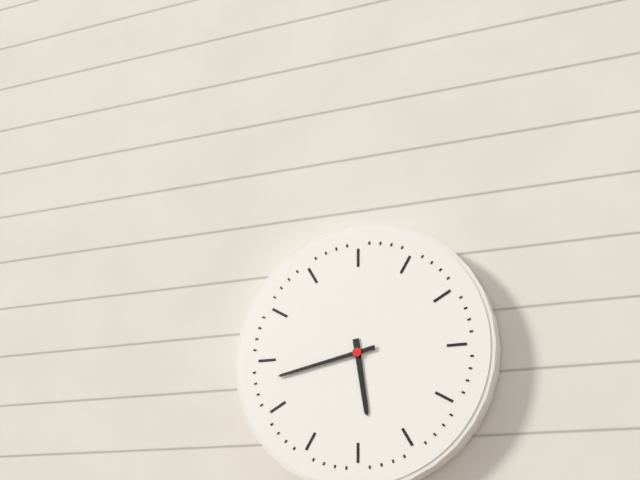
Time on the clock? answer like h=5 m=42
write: h=5 m=43
